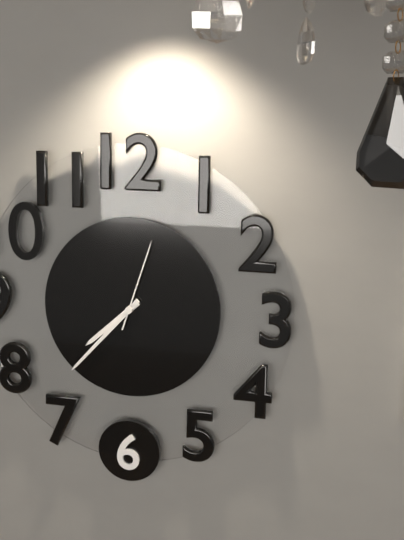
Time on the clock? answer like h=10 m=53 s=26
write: h=7 m=37 s=3
